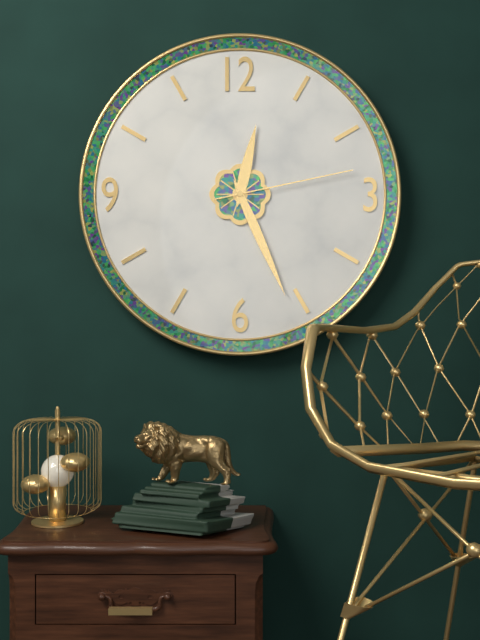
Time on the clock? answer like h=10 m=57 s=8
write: h=12 m=26 s=13
